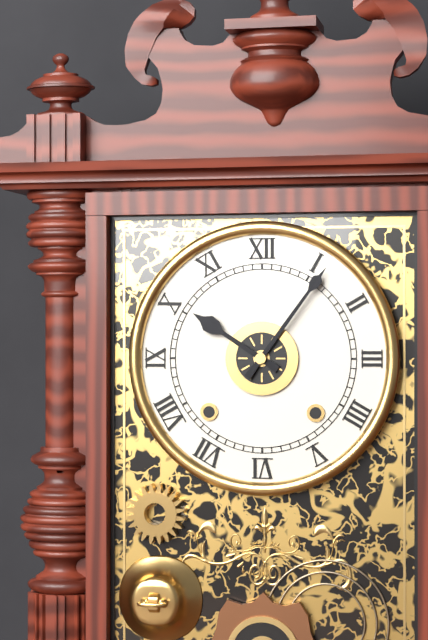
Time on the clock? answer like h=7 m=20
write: h=10 m=6
